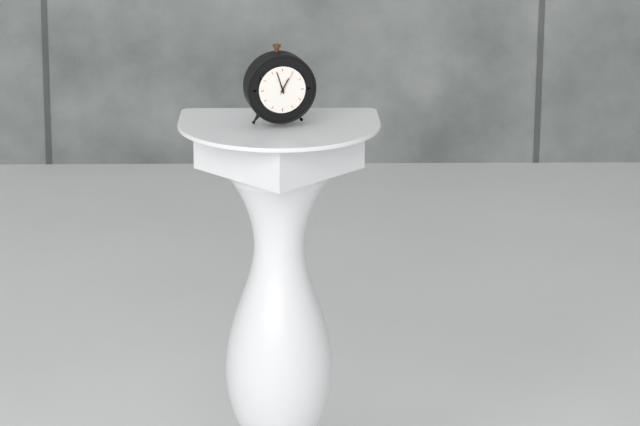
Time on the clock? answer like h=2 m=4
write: h=12 m=57
